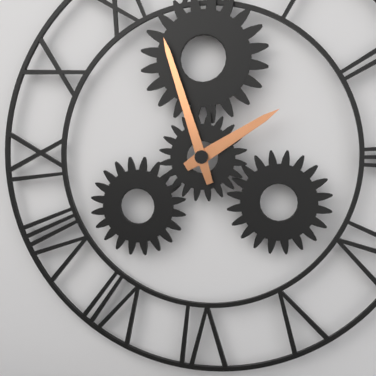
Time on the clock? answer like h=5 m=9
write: h=1 m=57
